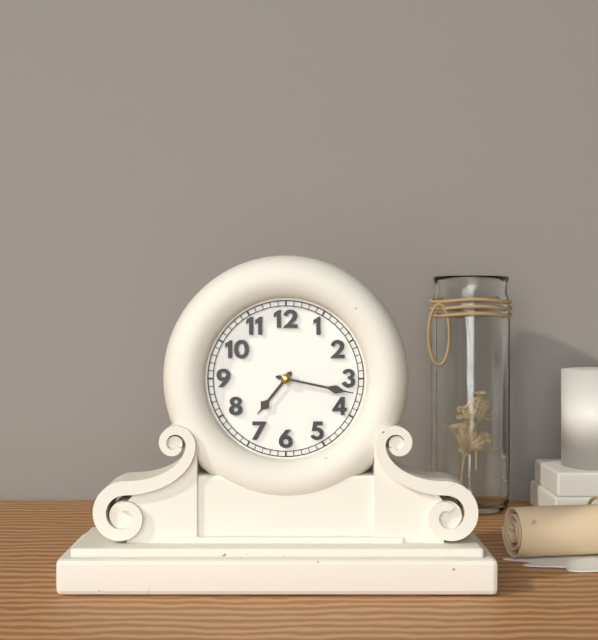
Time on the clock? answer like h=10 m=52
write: h=7 m=17
